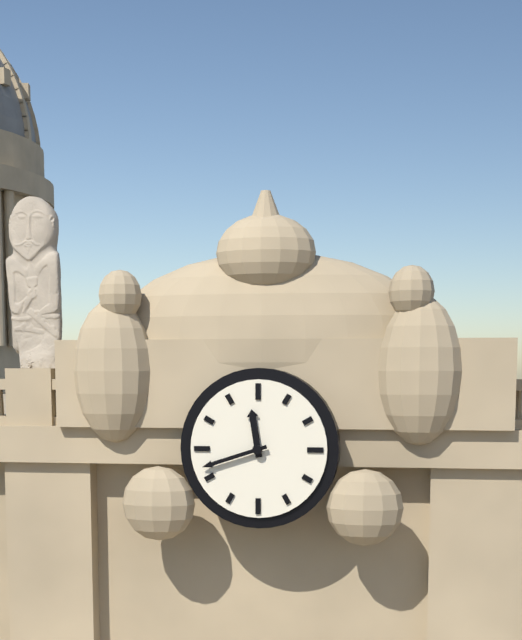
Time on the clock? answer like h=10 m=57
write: h=11 m=42
